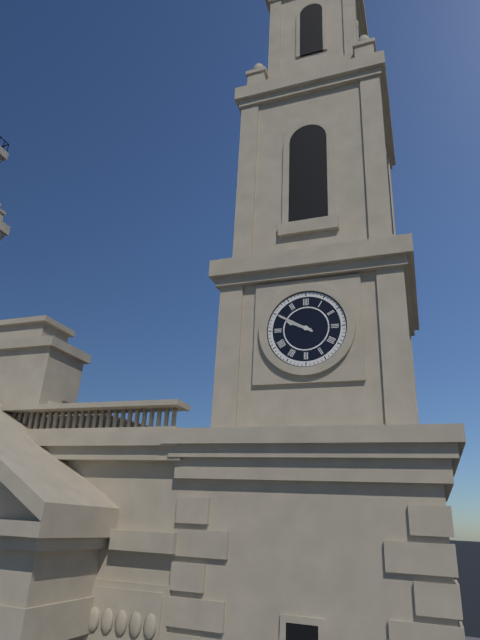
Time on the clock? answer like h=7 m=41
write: h=9 m=50
